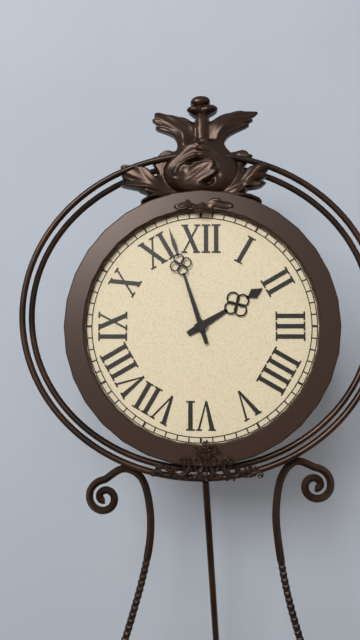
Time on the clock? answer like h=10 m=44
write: h=1 m=57
